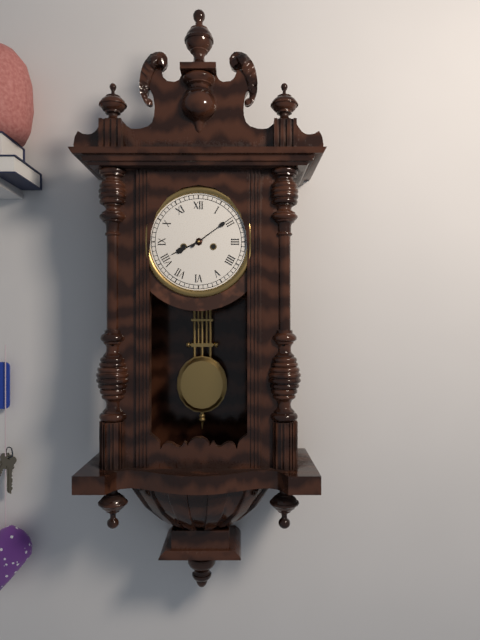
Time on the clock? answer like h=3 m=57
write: h=8 m=9
